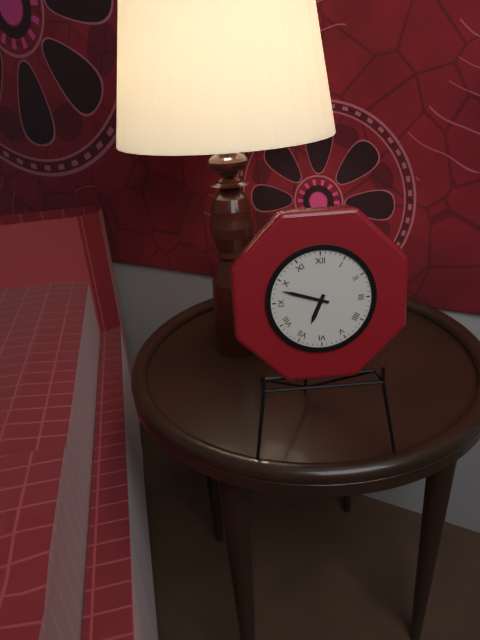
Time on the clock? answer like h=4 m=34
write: h=6 m=48
